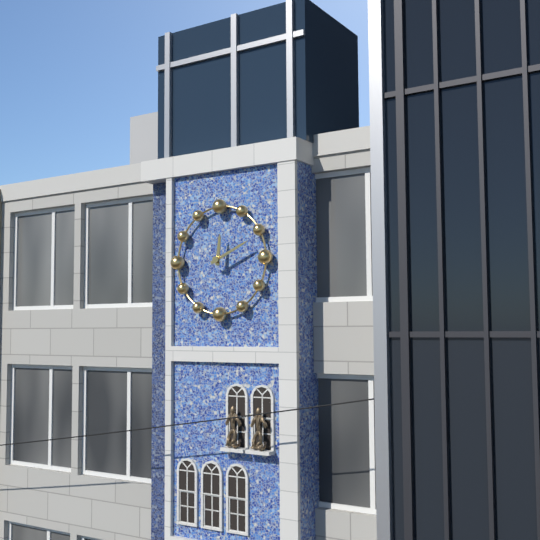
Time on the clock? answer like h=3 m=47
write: h=12 m=11
